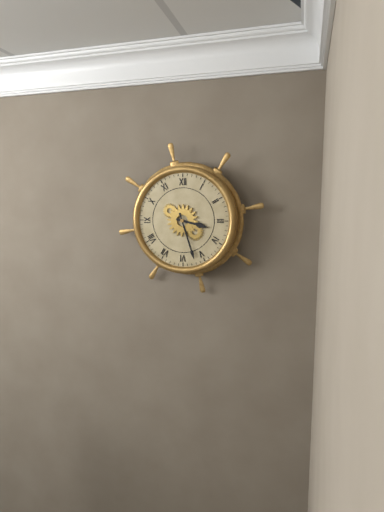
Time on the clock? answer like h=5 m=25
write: h=3 m=27
